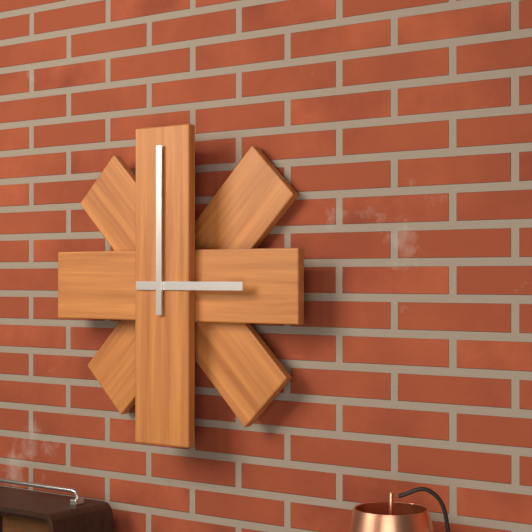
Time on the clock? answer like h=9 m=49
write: h=3 m=0
